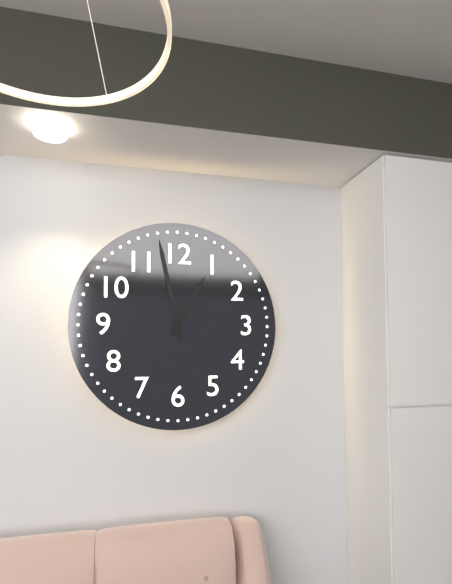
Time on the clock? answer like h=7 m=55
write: h=12 m=58
